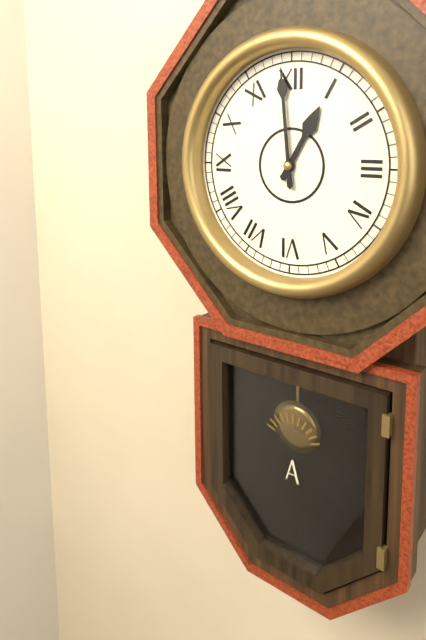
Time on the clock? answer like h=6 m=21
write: h=12 m=59
